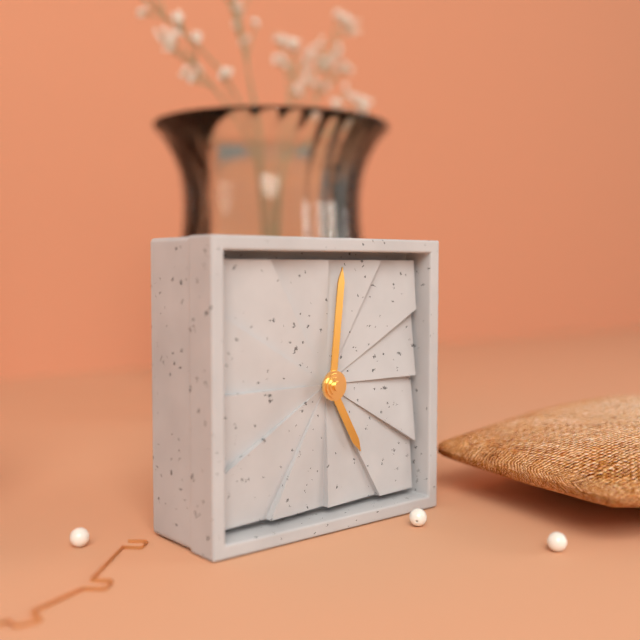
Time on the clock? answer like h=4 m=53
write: h=5 m=1
